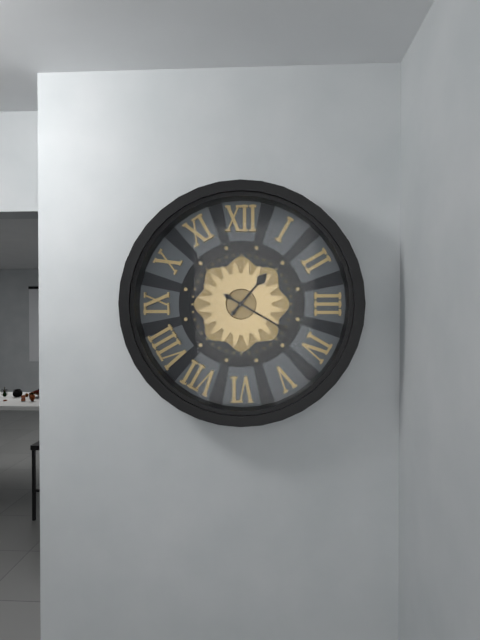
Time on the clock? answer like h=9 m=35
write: h=1 m=20
